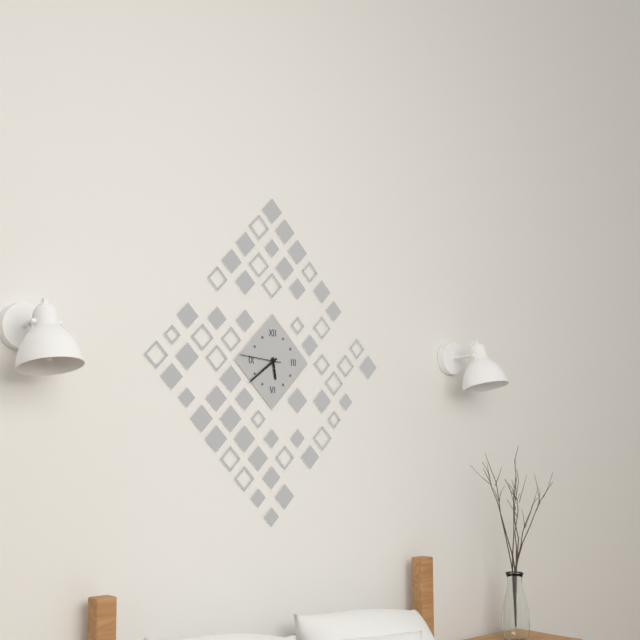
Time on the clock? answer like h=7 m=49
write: h=5 m=39
